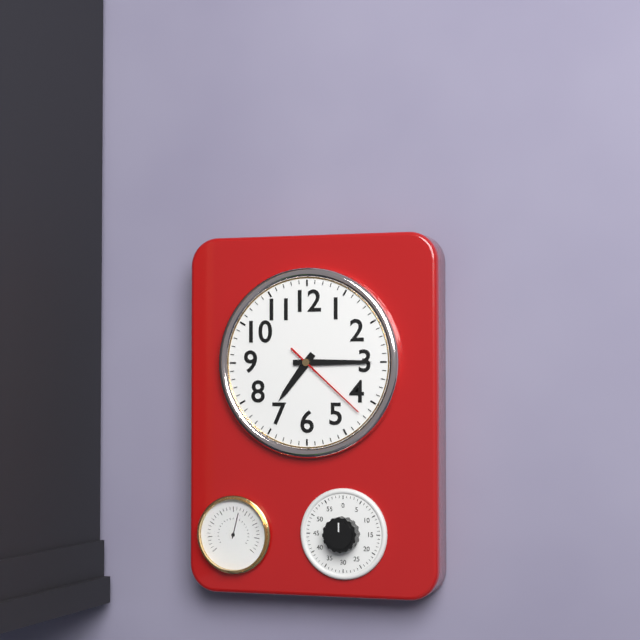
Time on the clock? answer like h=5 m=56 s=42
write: h=7 m=15 s=22
